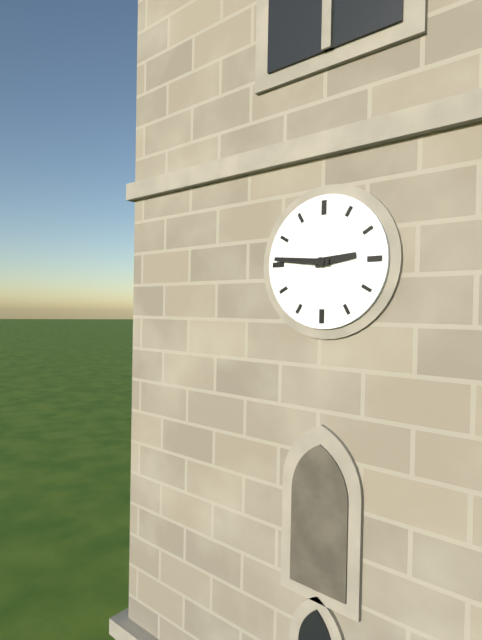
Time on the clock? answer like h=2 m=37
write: h=2 m=46
